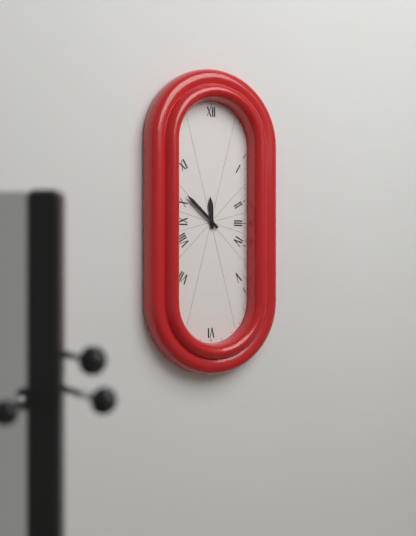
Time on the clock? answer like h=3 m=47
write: h=11 m=52
